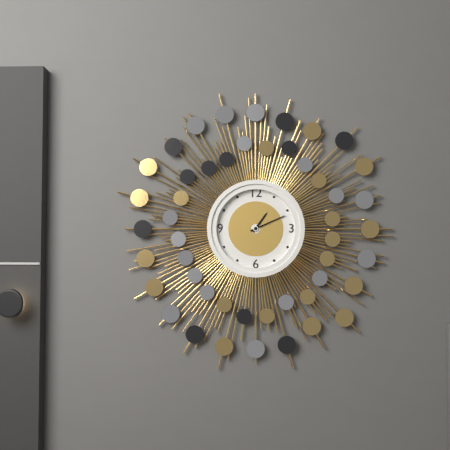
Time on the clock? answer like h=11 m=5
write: h=1 m=11
